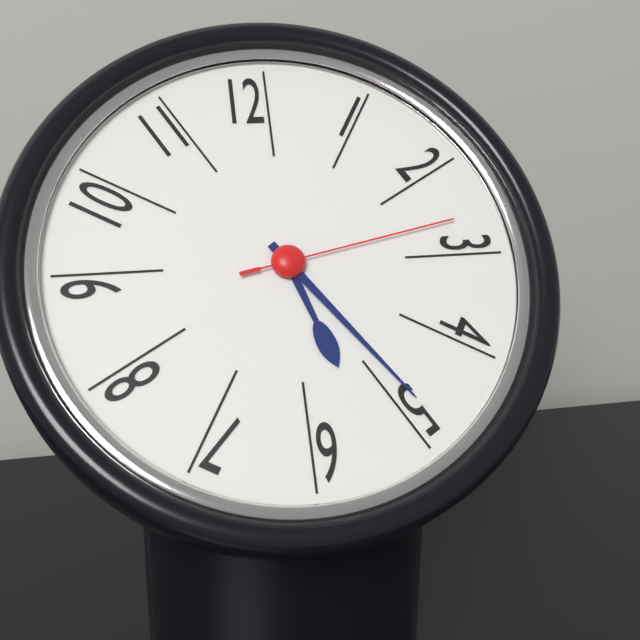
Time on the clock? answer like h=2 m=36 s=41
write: h=5 m=24 s=13
